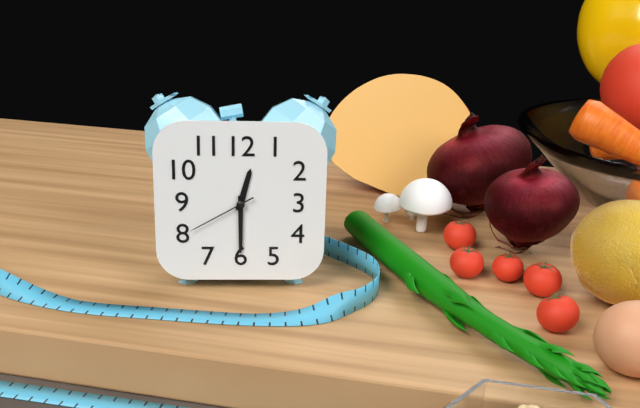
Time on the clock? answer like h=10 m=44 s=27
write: h=12 m=30 s=40
